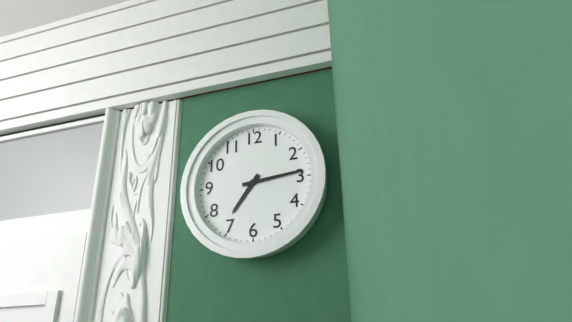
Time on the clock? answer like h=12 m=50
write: h=7 m=14
